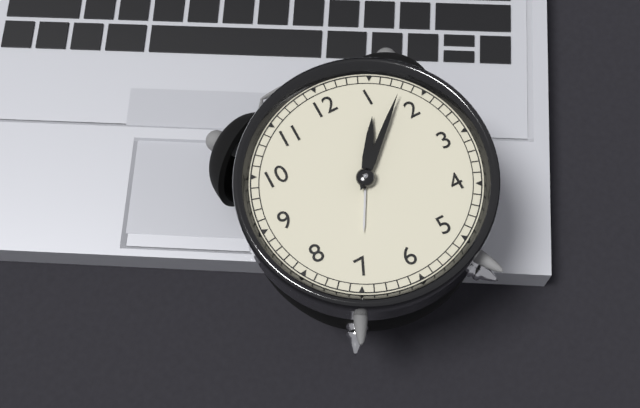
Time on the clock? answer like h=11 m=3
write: h=1 m=8
